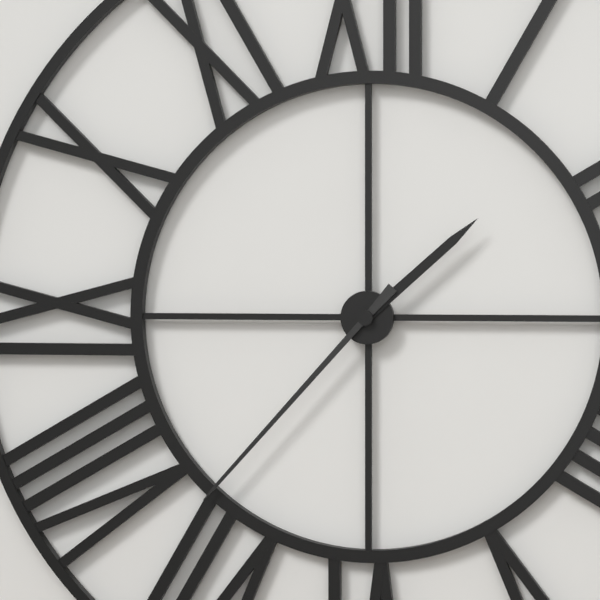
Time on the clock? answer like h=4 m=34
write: h=1 m=37
